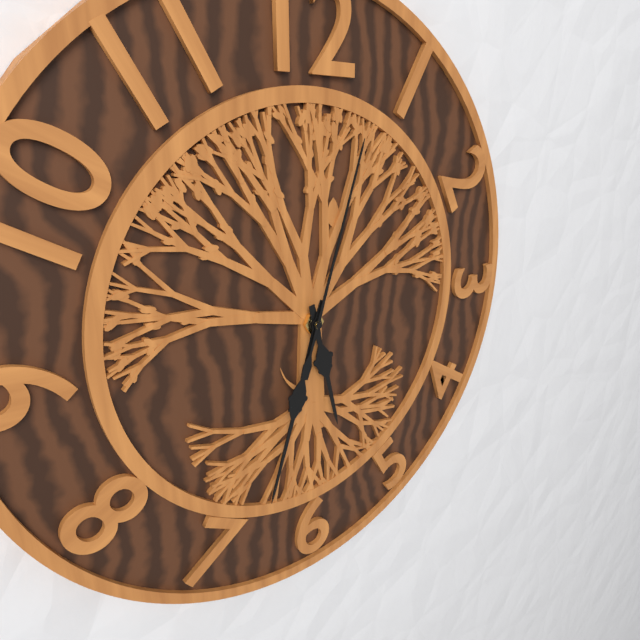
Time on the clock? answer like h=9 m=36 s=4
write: h=5 m=33 s=3
